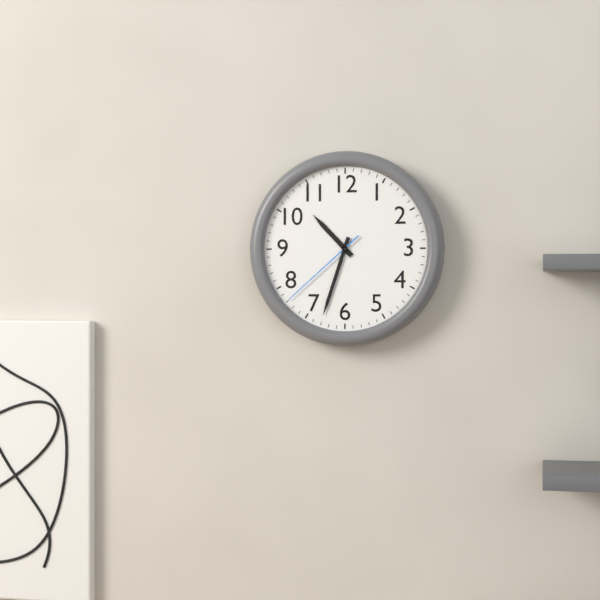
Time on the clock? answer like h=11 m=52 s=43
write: h=10 m=33 s=38
